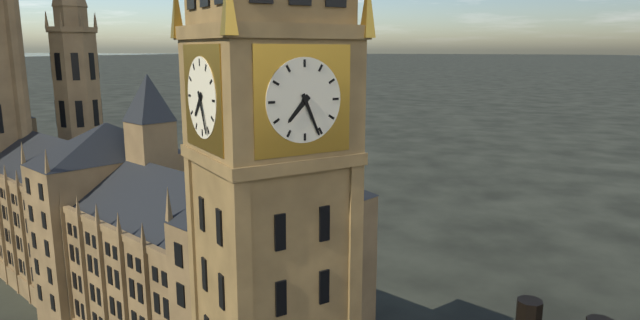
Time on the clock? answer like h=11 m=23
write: h=7 m=26
